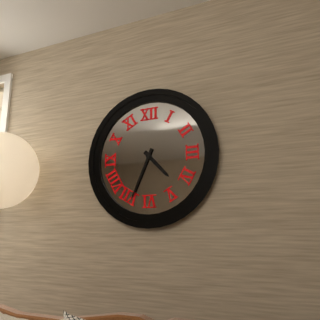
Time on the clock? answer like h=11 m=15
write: h=4 m=34
